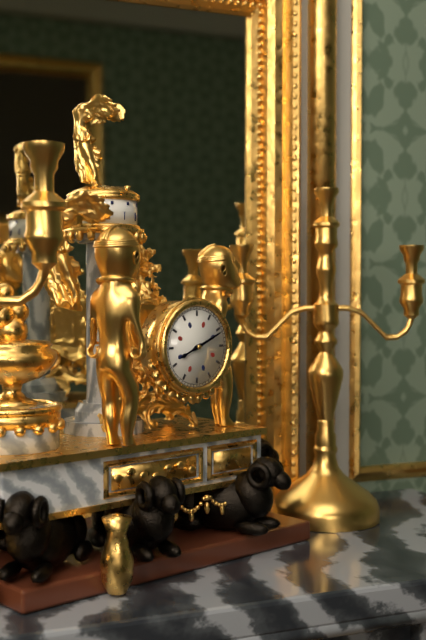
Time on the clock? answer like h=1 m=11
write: h=8 m=11
